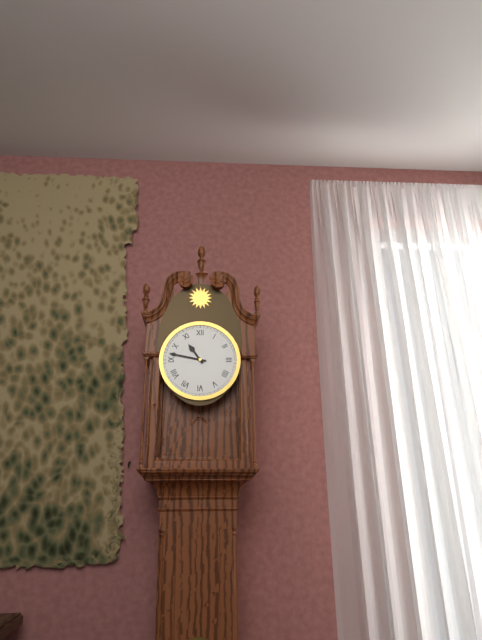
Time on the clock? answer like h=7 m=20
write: h=10 m=47
